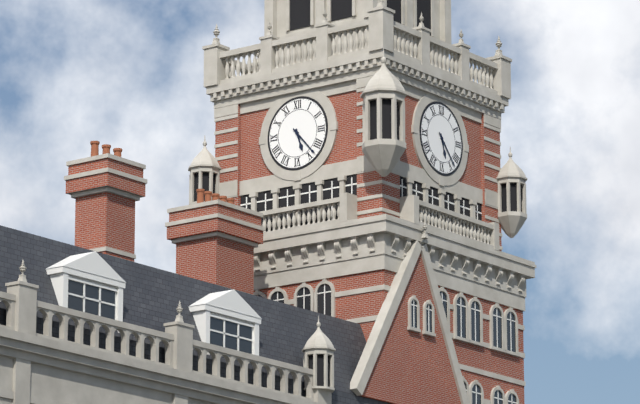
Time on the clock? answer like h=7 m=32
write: h=5 m=23
